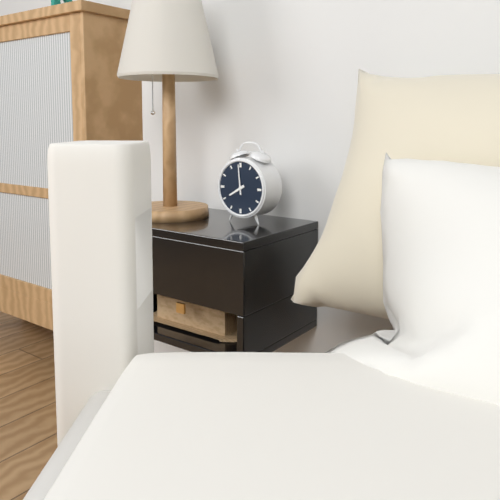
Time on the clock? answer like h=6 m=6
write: h=7 m=59
